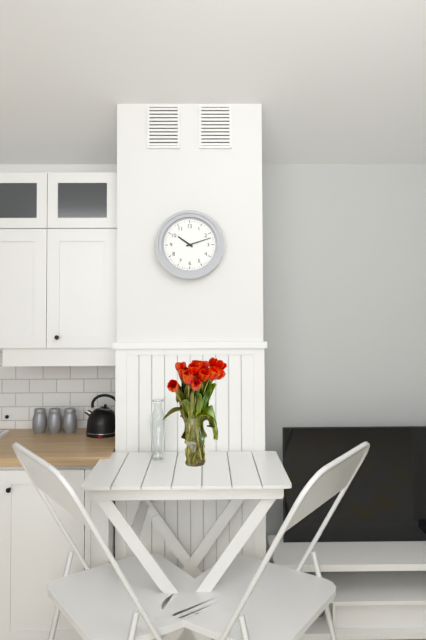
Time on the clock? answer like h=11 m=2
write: h=10 m=12
